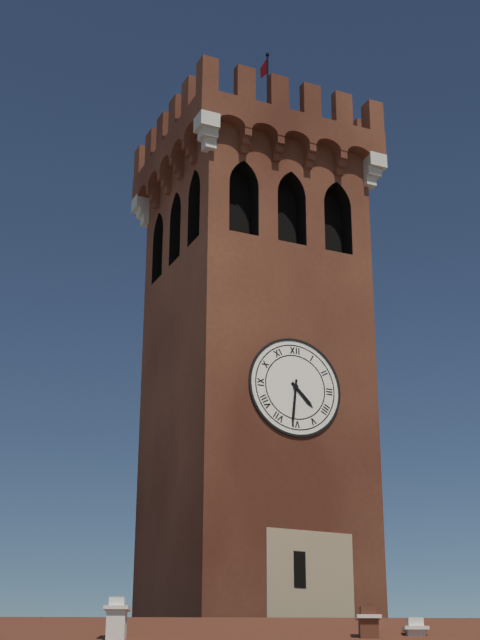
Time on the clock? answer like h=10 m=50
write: h=4 m=31
